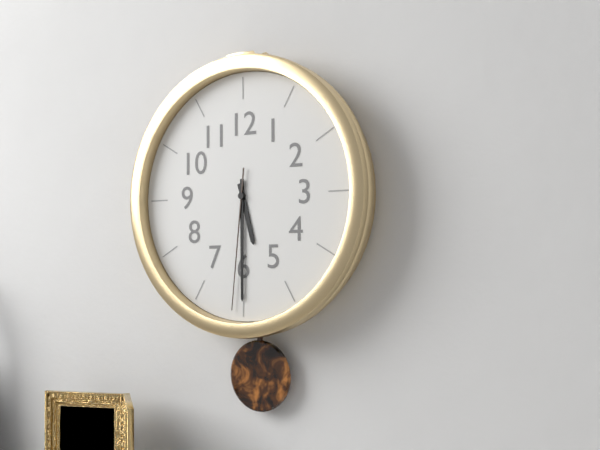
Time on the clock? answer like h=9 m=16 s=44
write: h=5 m=30 s=31
